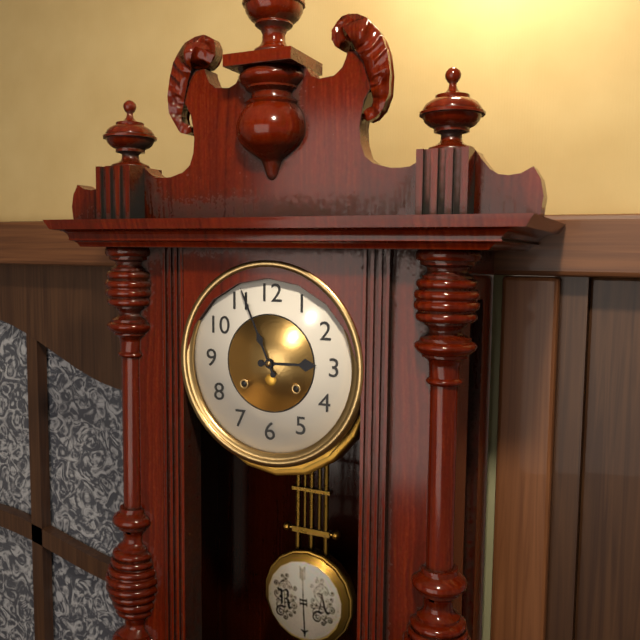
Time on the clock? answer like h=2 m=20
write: h=2 m=56
